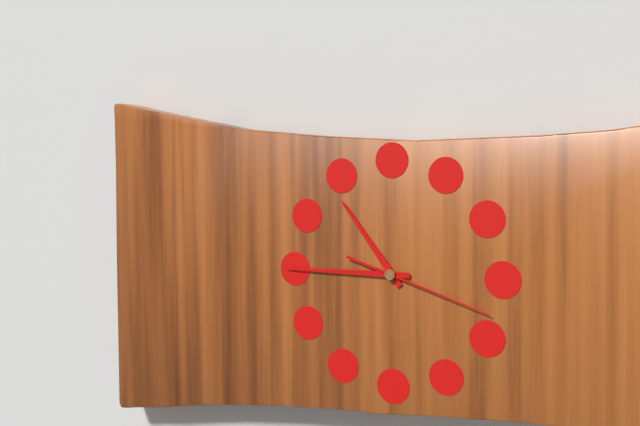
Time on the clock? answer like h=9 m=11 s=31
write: h=10 m=45 s=18
